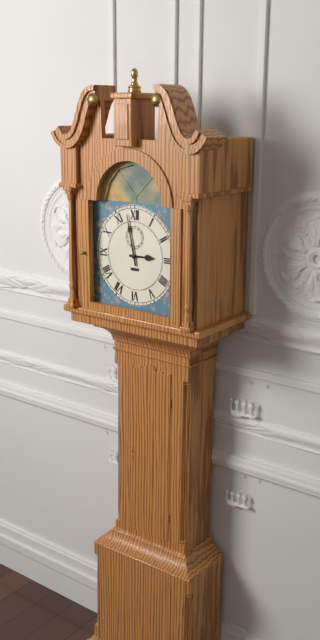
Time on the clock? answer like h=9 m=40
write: h=2 m=58
